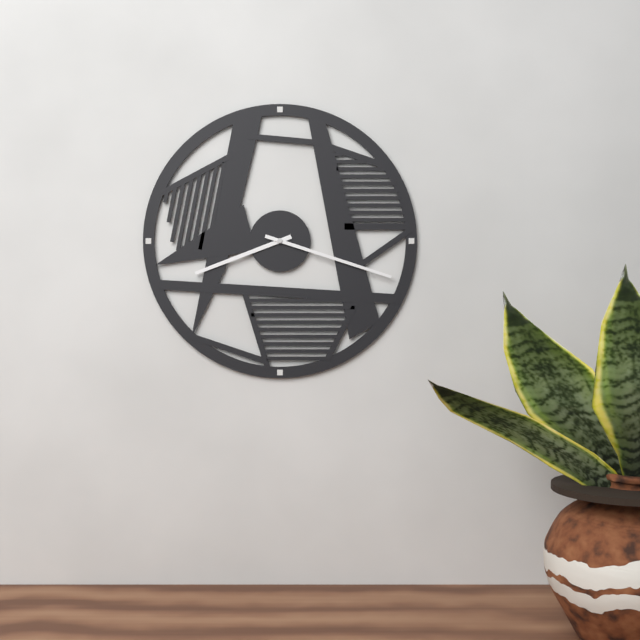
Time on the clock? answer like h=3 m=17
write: h=8 m=18
